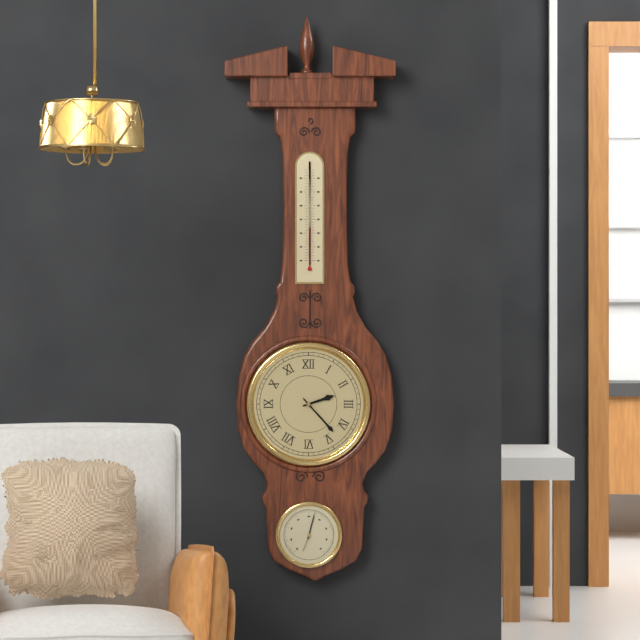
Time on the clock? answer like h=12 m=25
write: h=2 m=23
